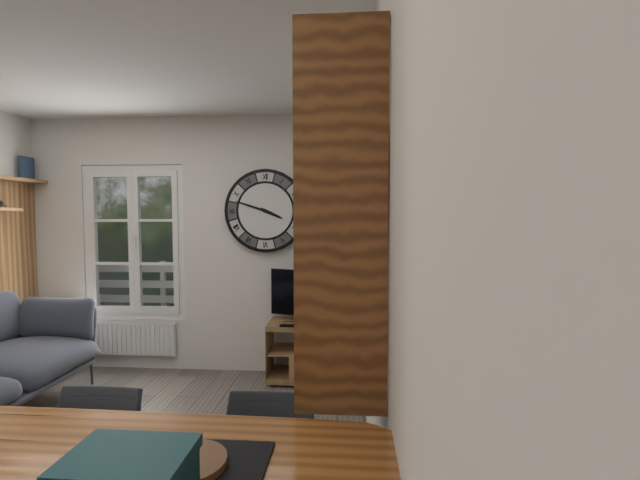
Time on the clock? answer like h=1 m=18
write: h=3 m=48
